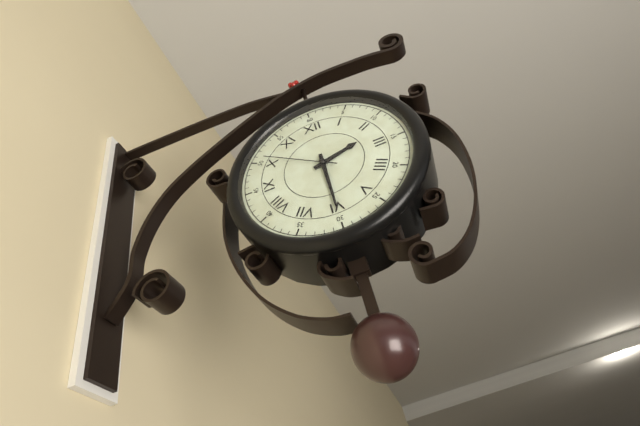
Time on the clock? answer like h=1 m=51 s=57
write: h=2 m=30 s=51
